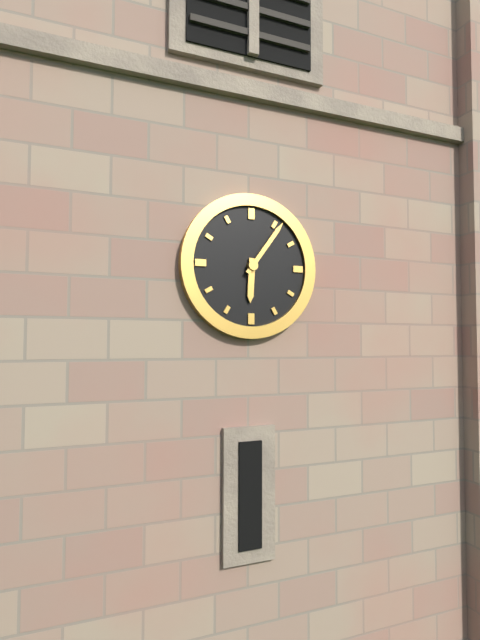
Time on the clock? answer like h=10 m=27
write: h=6 m=6
